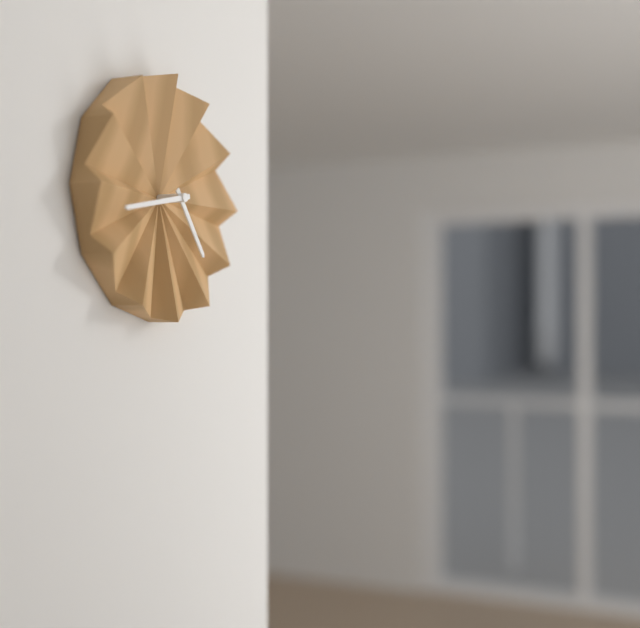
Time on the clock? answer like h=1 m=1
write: h=4 m=43
